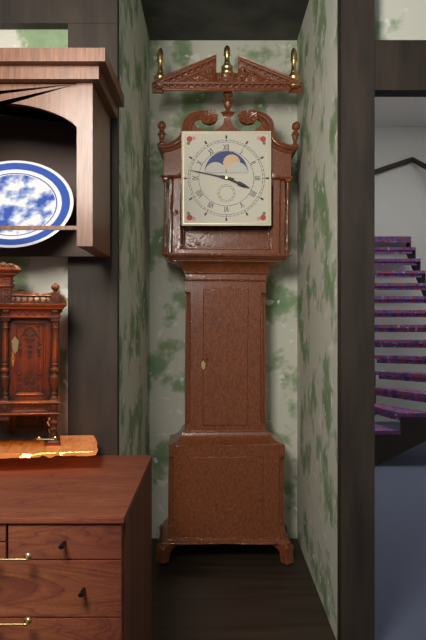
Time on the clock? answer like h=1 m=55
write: h=3 m=47
